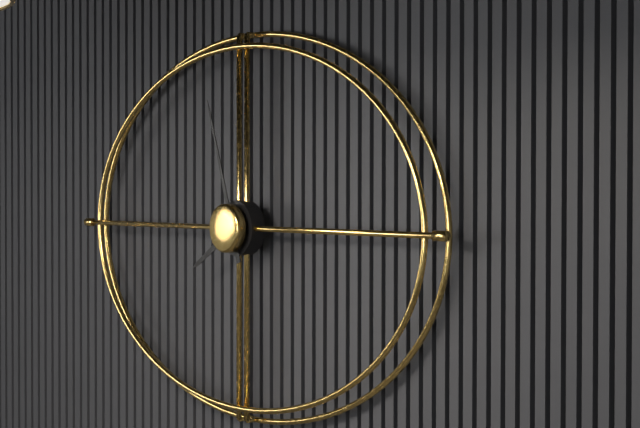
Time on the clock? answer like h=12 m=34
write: h=7 m=57
